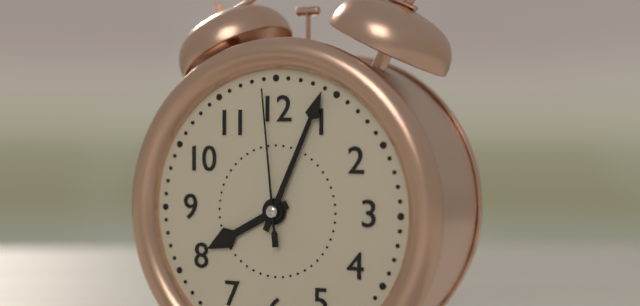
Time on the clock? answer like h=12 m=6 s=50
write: h=8 m=4 s=59
